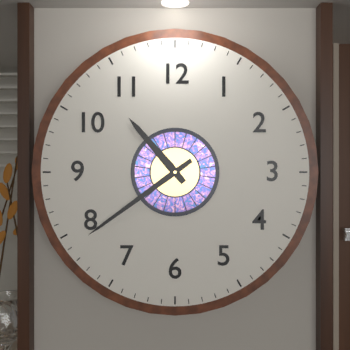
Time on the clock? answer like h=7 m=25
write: h=10 m=39
